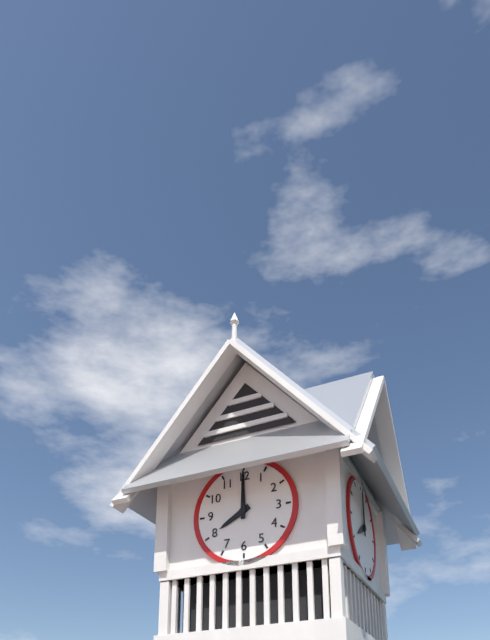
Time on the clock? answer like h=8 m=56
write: h=8 m=0
